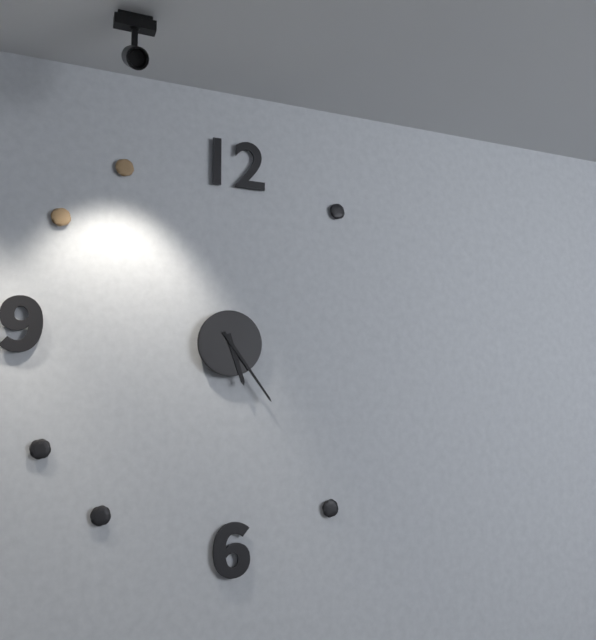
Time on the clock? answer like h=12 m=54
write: h=5 m=24
